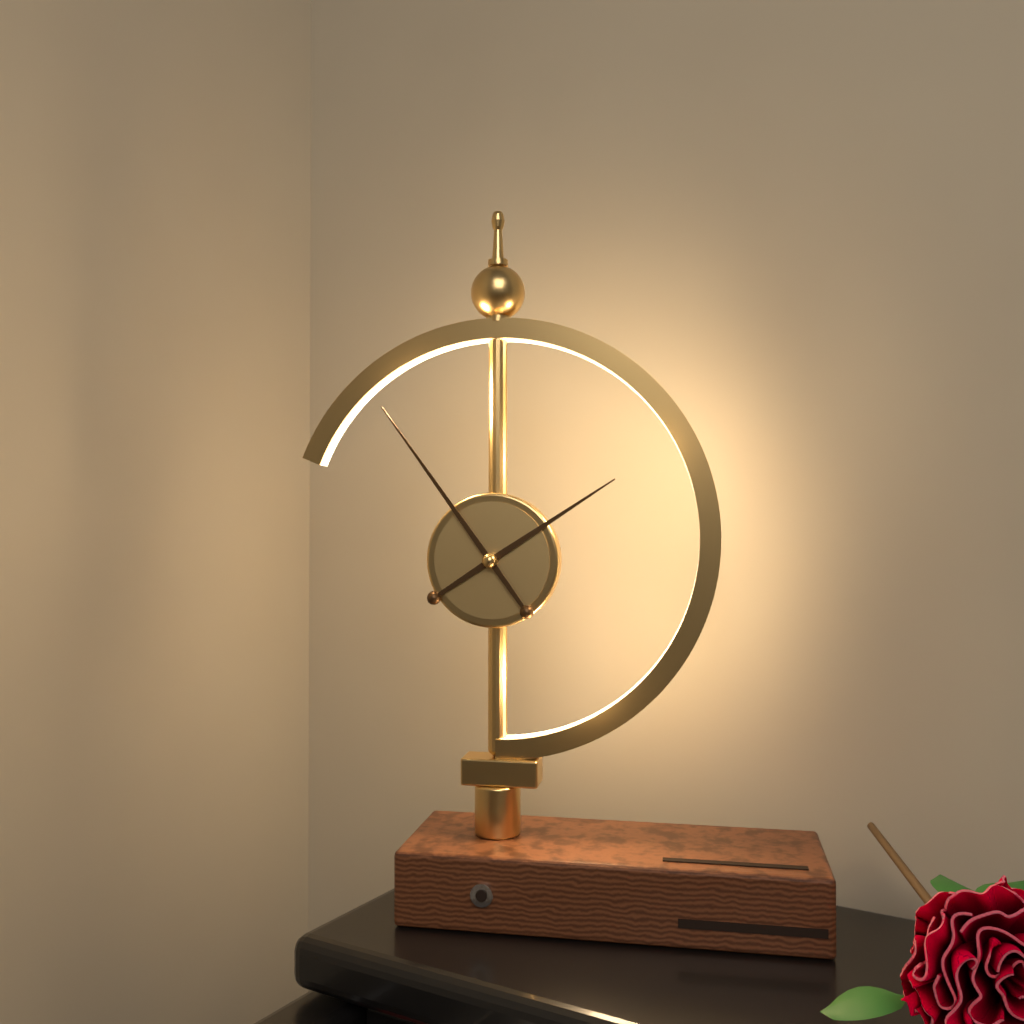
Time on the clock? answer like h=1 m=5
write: h=1 m=54
